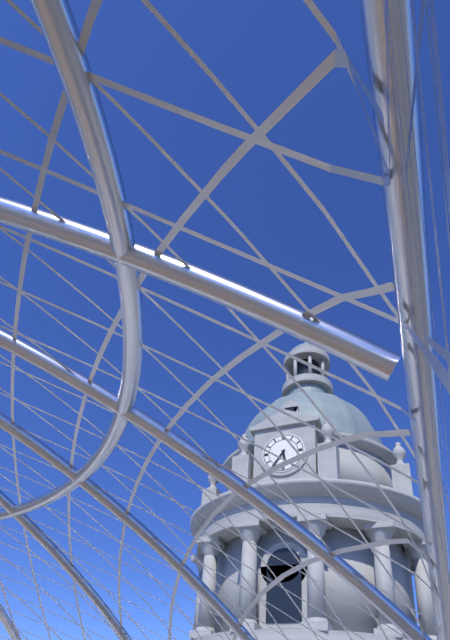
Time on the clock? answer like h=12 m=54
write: h=5 m=36
